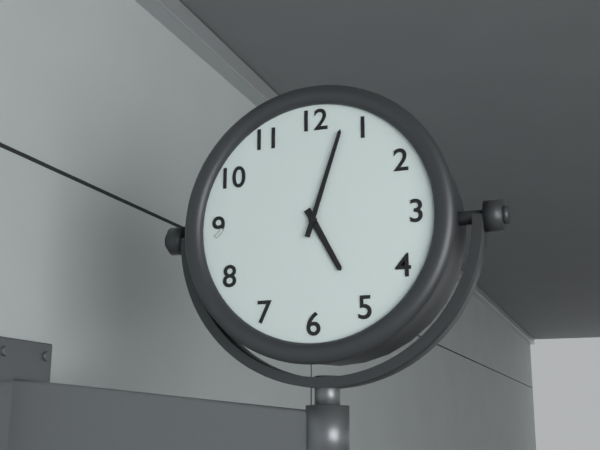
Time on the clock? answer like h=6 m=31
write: h=5 m=3
